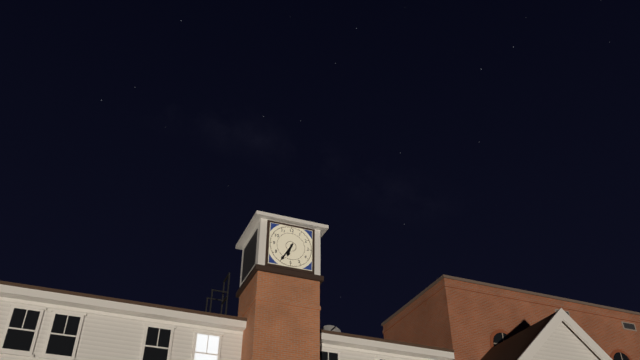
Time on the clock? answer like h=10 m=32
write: h=6 m=35
